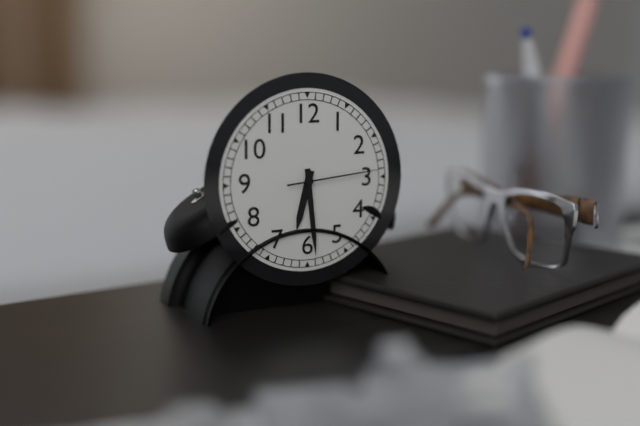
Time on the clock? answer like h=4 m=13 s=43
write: h=6 m=29 s=14
